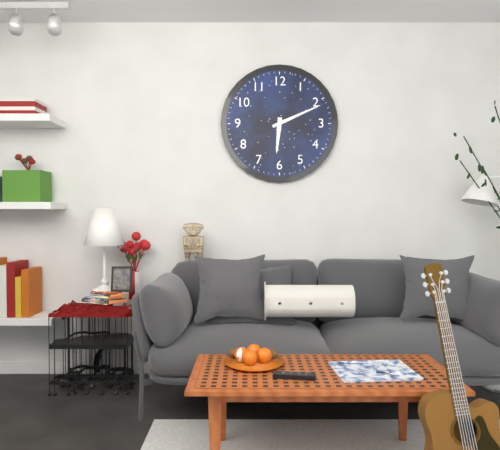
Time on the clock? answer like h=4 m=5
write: h=6 m=11
